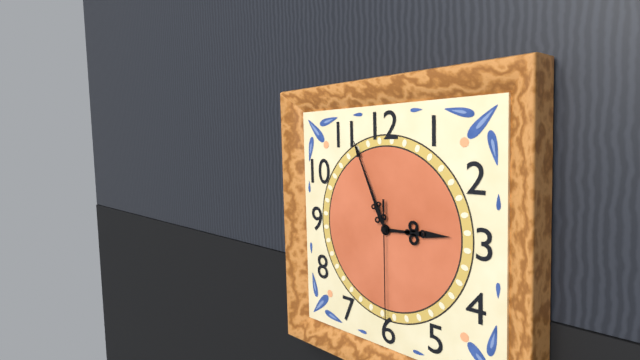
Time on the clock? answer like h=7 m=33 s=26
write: h=2 m=56 s=30
